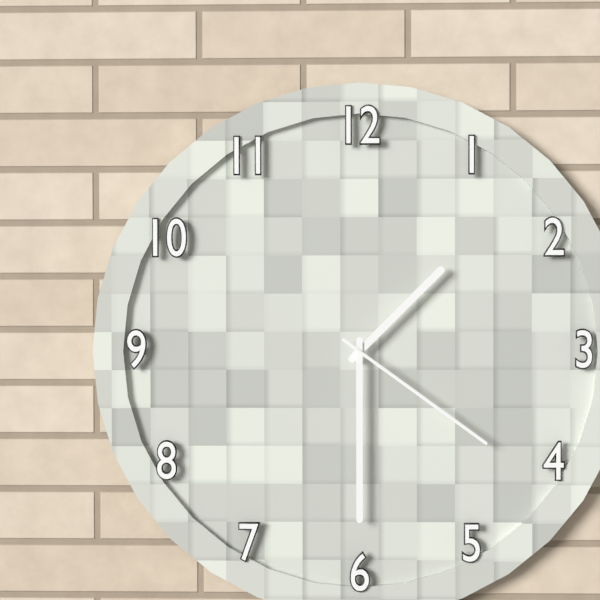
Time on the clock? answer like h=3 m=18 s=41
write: h=1 m=30 s=21
